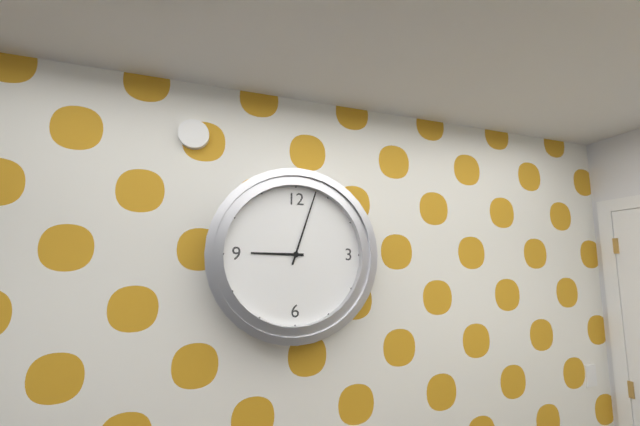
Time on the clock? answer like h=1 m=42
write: h=9 m=3
